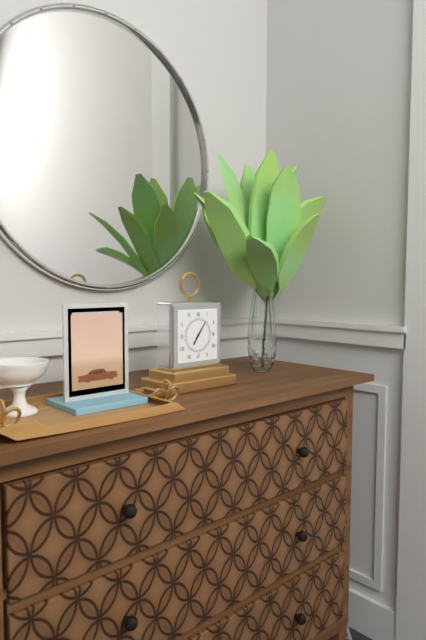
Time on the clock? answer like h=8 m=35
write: h=7 m=6
